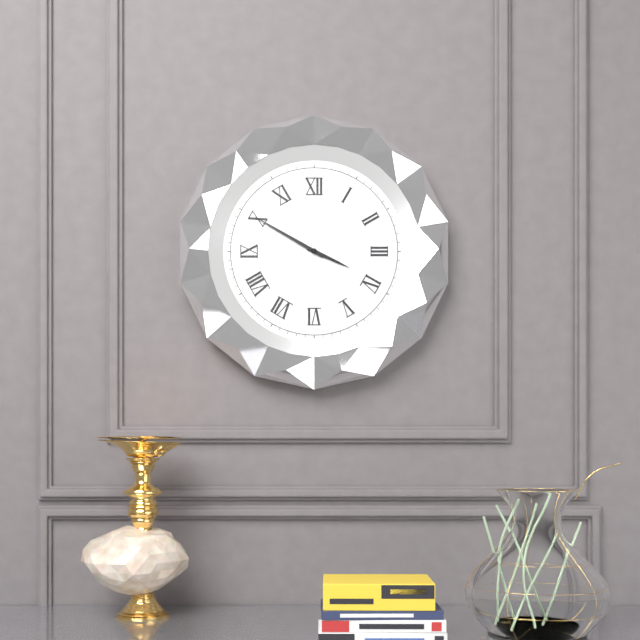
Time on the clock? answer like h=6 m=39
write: h=3 m=50
